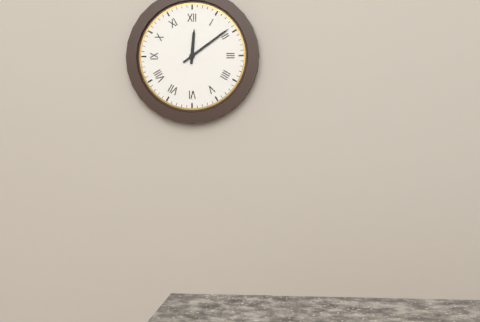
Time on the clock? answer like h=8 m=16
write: h=12 m=9
